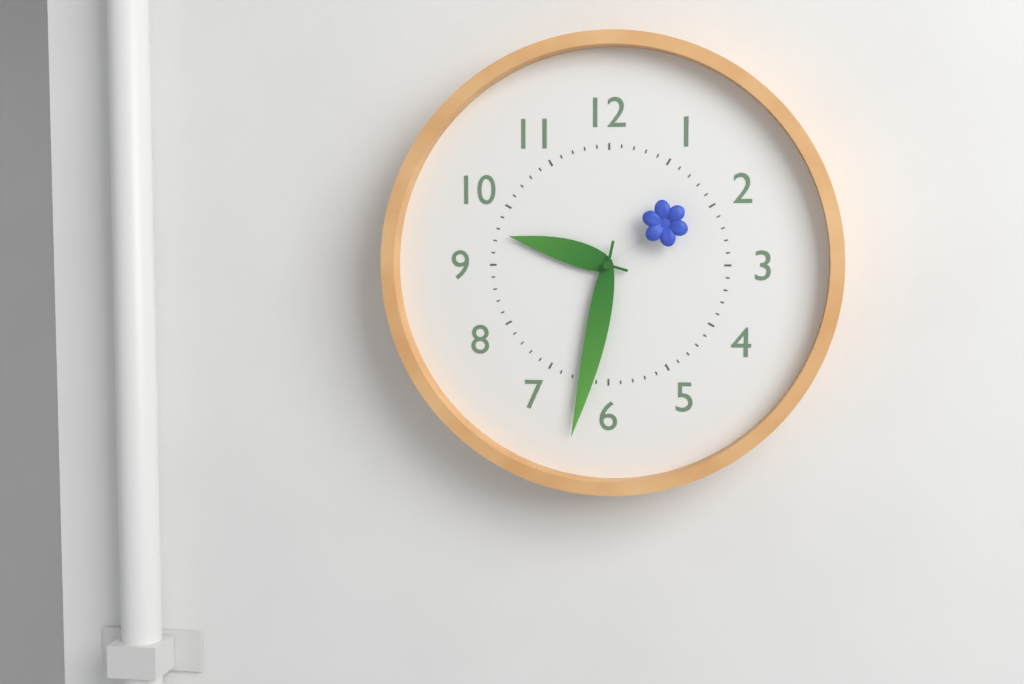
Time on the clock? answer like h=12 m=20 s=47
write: h=9 m=32 s=9
